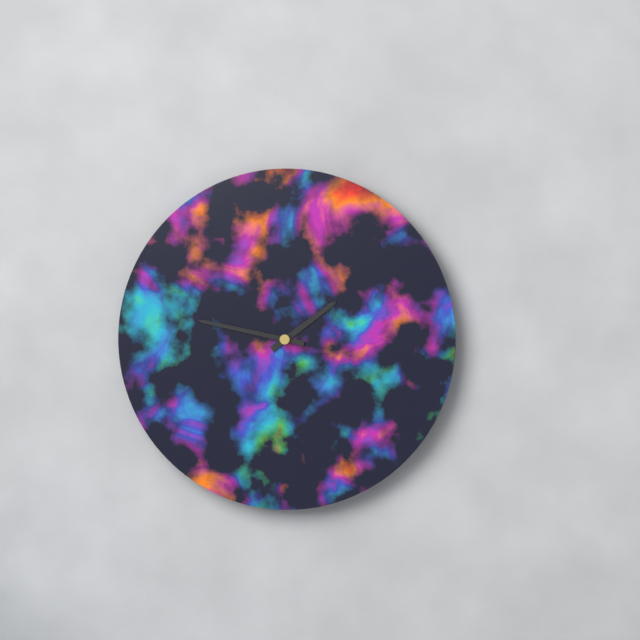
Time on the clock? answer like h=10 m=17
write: h=1 m=47
